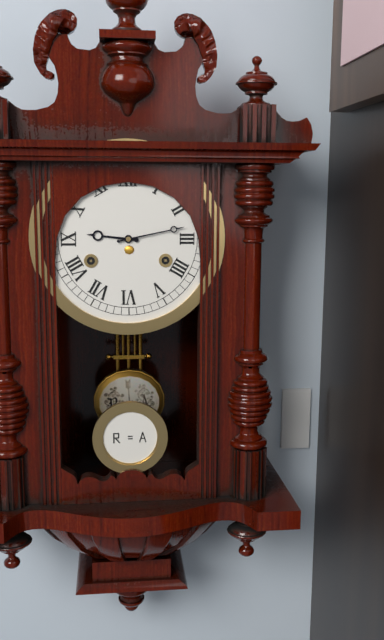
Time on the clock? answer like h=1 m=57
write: h=9 m=13
